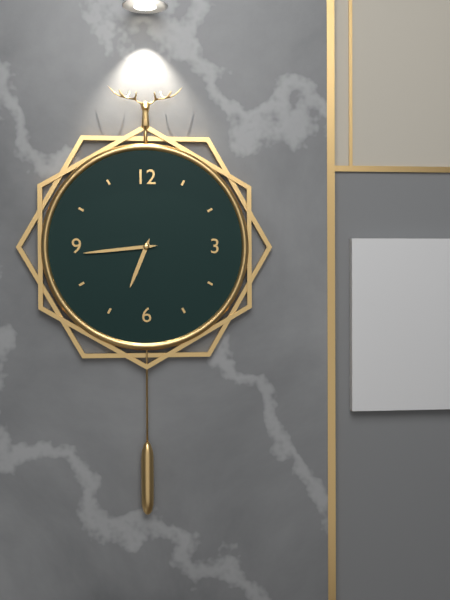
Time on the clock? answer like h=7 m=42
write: h=6 m=44
